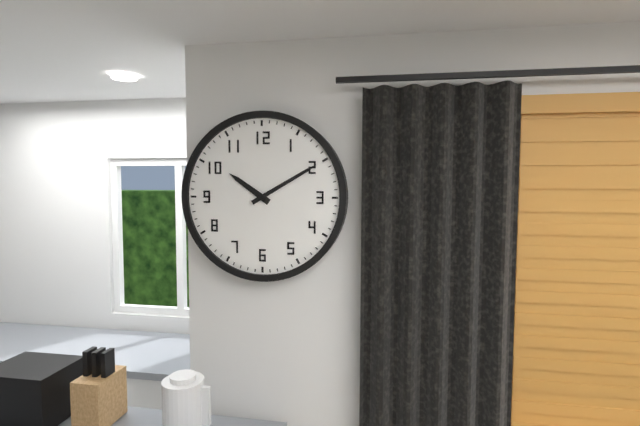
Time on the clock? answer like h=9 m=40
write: h=10 m=10
